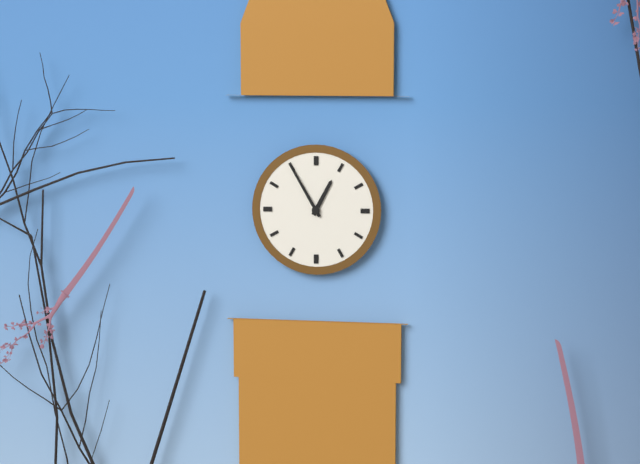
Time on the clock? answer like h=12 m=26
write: h=12 m=55
